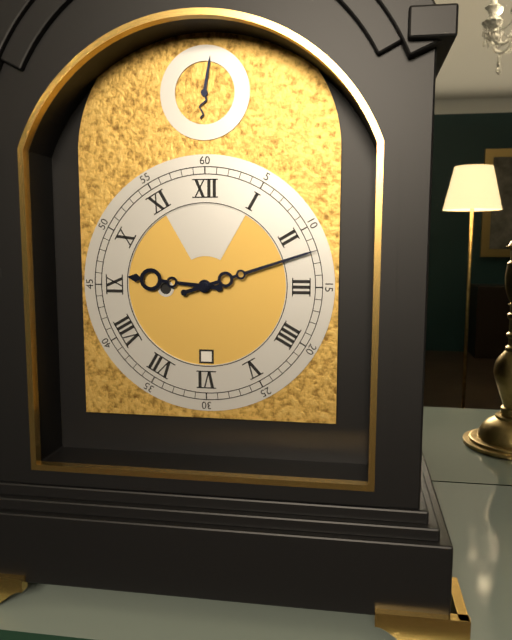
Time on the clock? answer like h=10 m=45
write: h=9 m=12
